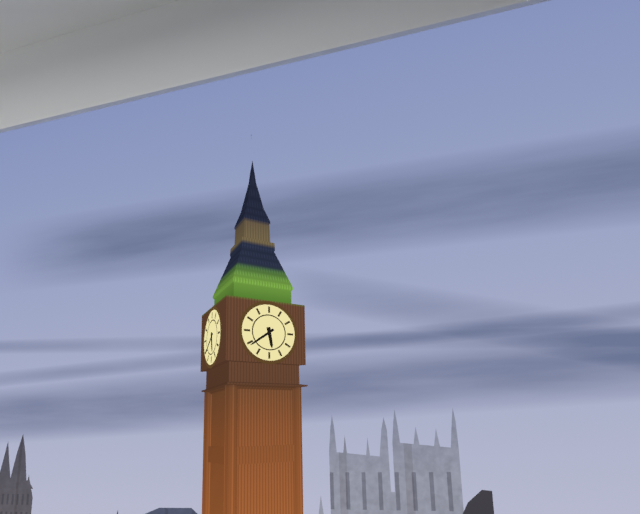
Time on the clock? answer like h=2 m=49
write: h=5 m=39
